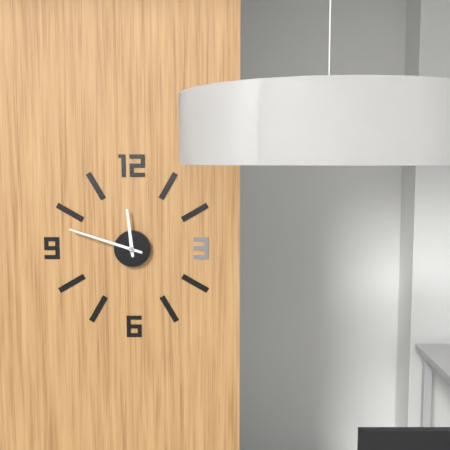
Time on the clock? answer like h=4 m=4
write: h=11 m=48
